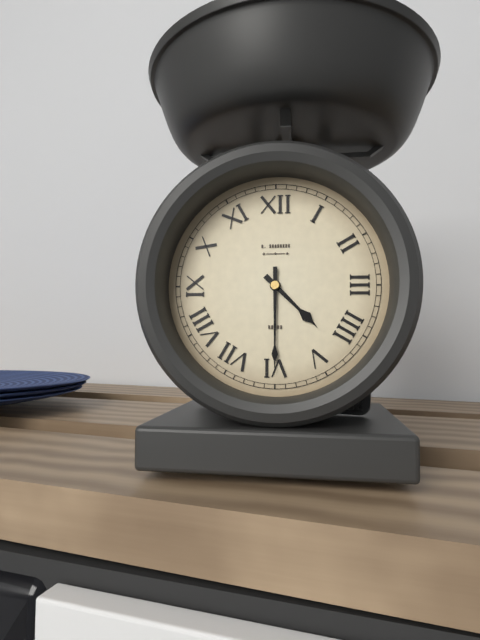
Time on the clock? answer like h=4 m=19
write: h=4 m=30
